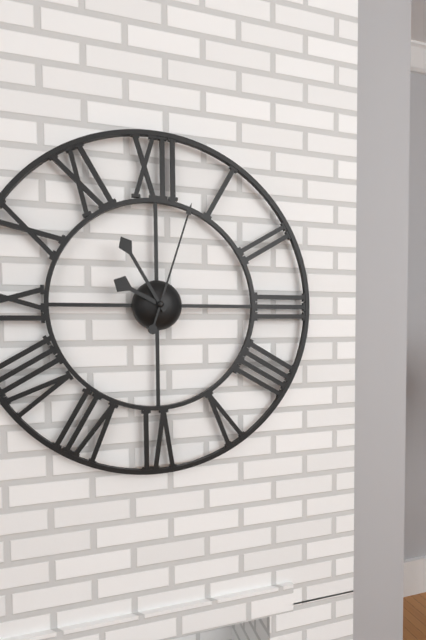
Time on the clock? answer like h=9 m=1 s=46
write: h=9 m=55 s=3
